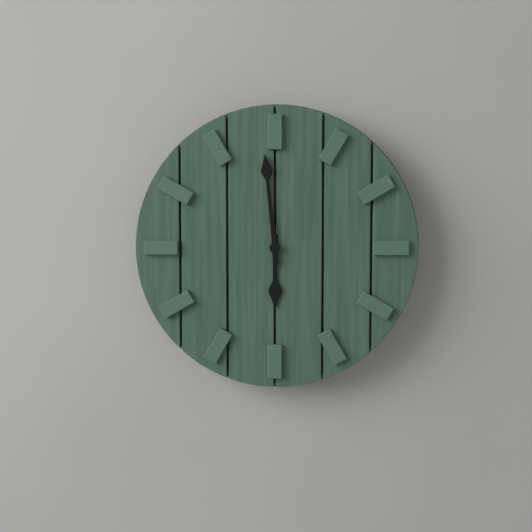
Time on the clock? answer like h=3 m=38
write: h=5 m=59
